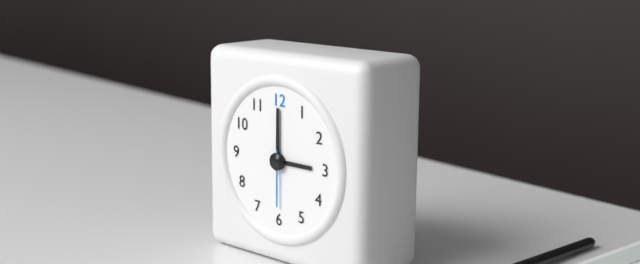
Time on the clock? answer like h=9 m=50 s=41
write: h=3 m=0 s=30
